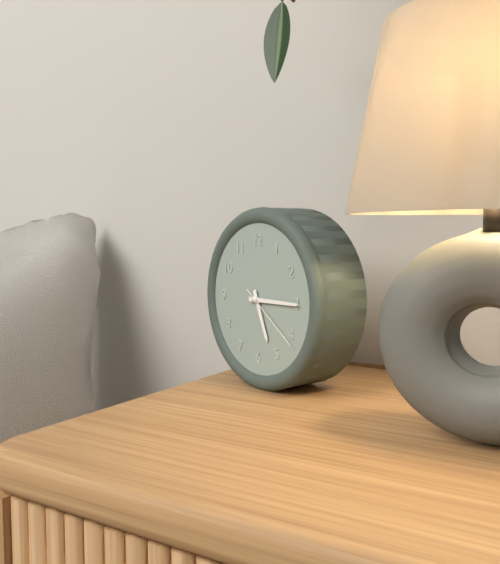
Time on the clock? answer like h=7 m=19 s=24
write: h=5 m=15 s=21
